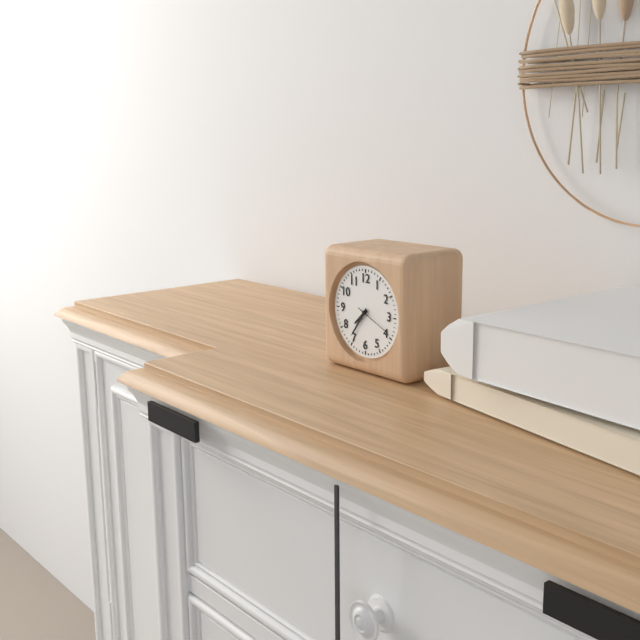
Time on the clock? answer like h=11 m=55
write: h=7 m=36
